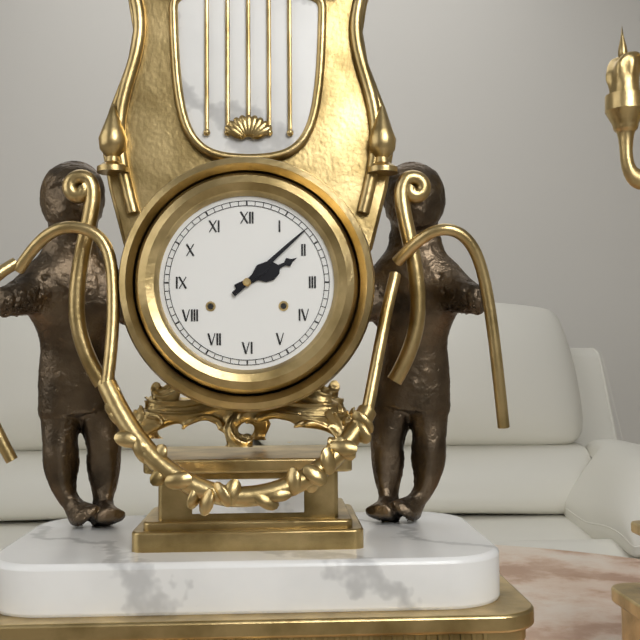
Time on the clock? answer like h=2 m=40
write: h=2 m=8
